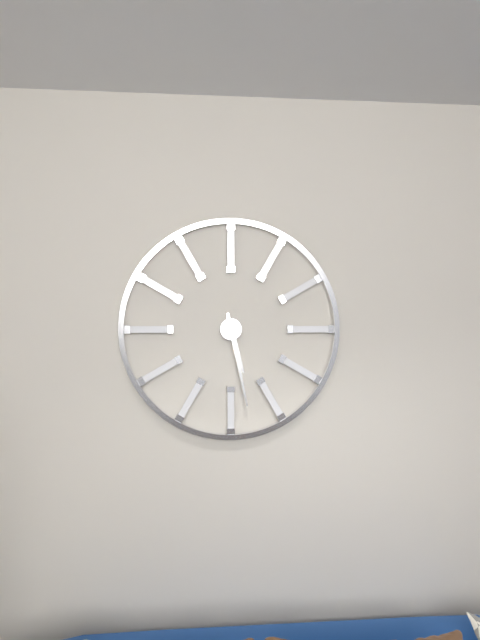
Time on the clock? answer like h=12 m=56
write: h=5 m=28
